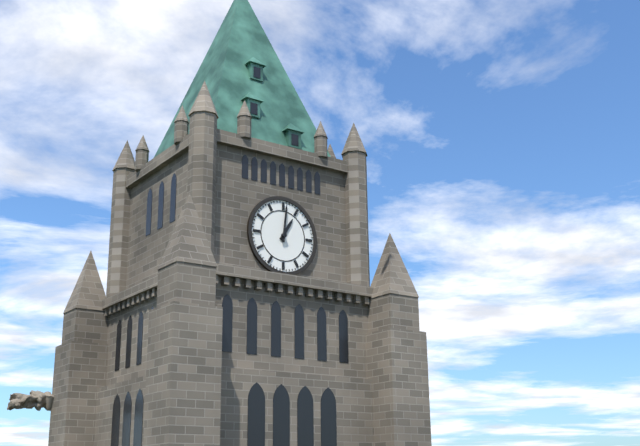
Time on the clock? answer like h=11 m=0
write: h=1 m=1
